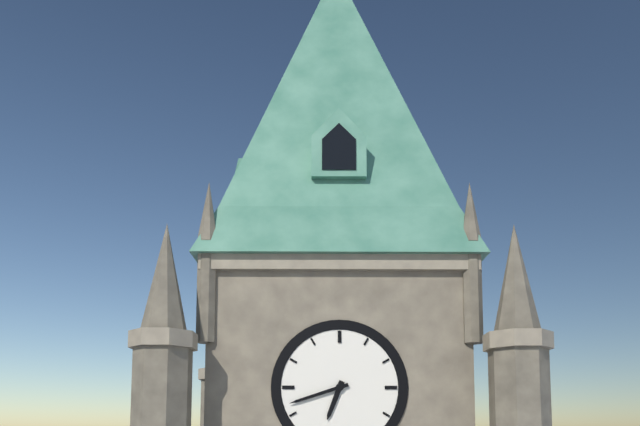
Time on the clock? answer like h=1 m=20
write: h=6 m=42
